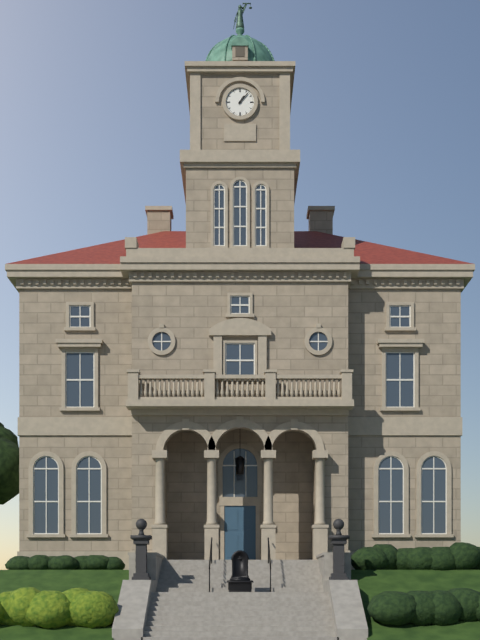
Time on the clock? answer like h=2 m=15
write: h=1 m=7
